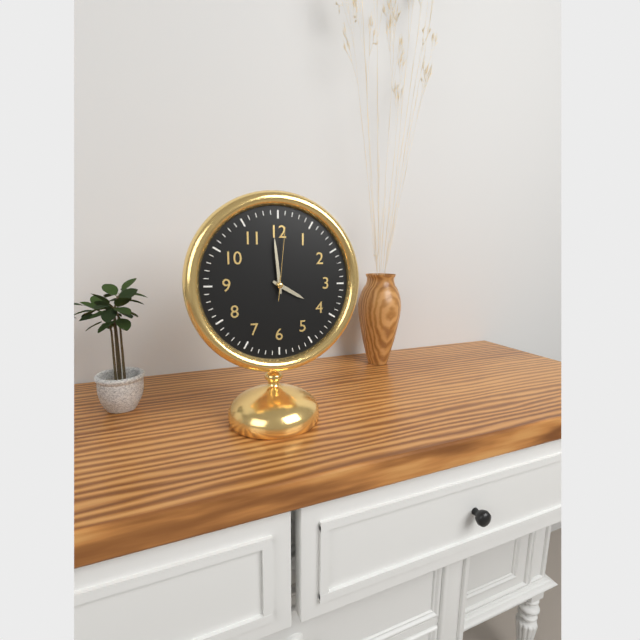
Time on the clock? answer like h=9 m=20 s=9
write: h=3 m=59 s=1
